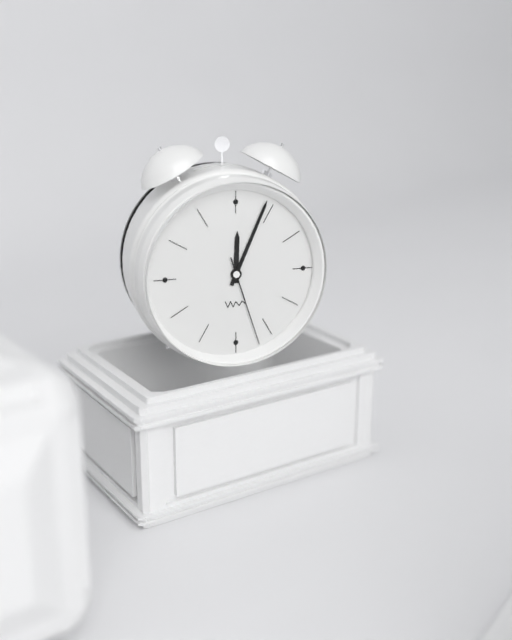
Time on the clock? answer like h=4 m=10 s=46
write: h=12 m=4 s=27
